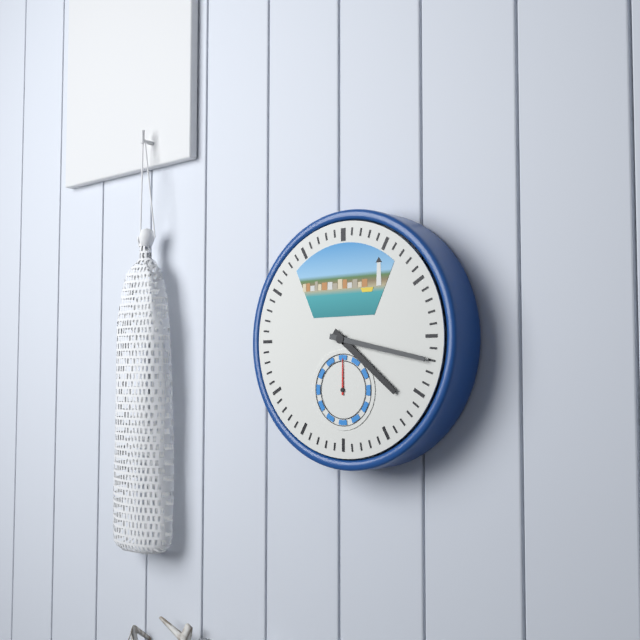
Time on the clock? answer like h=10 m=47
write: h=4 m=17
